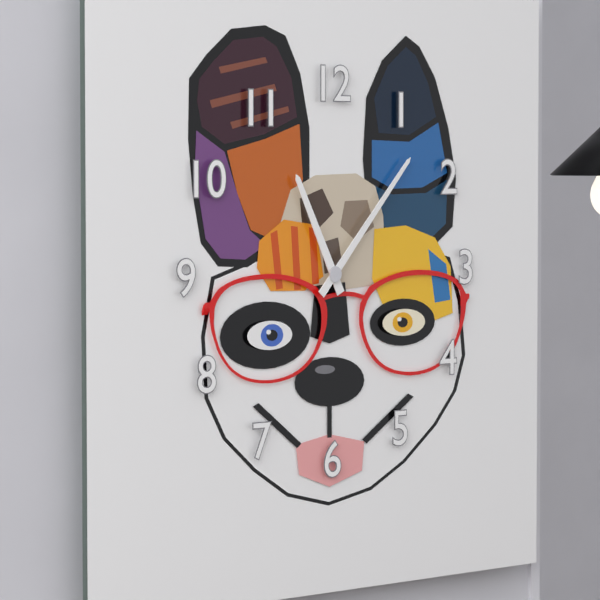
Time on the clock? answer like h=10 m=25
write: h=11 m=7
